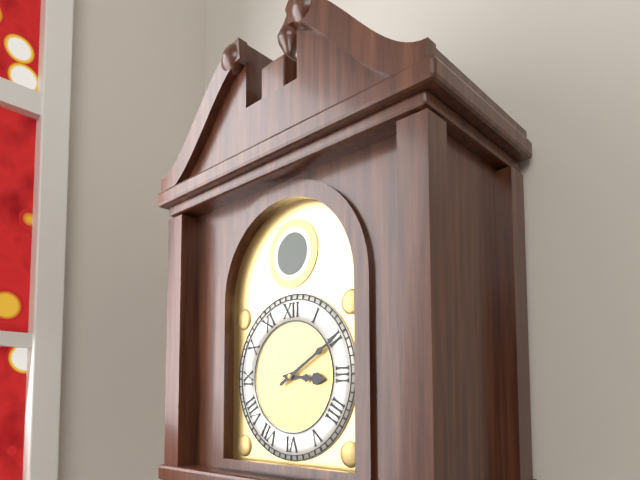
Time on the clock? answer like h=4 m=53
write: h=3 m=10
